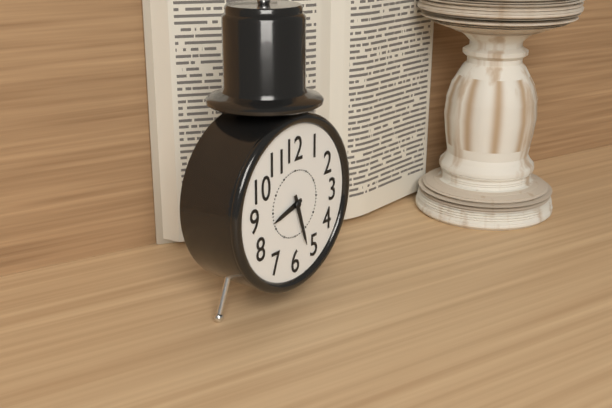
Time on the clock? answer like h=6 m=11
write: h=8 m=27
